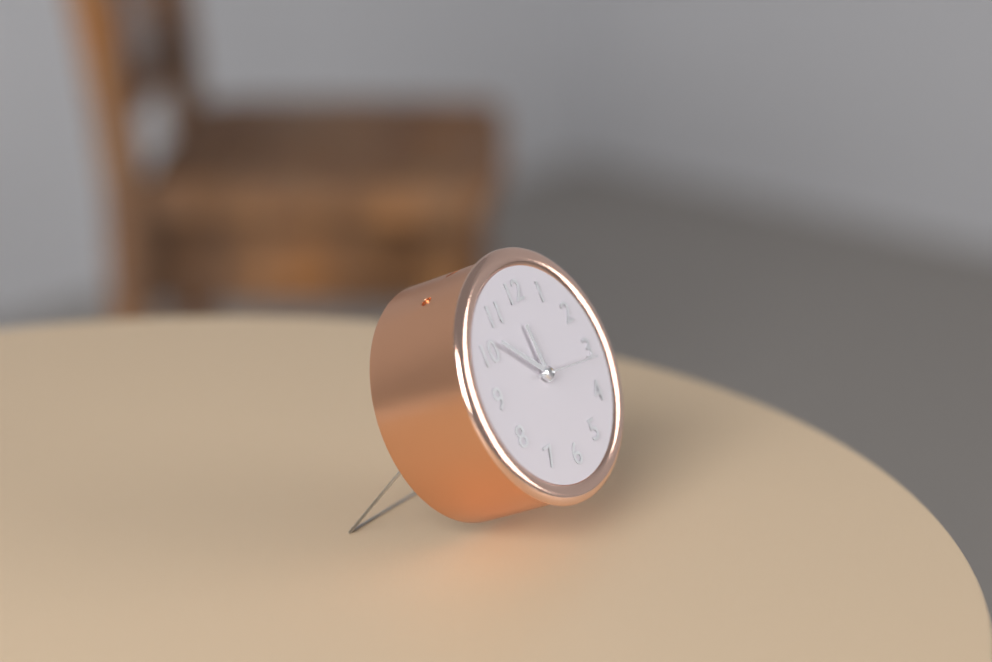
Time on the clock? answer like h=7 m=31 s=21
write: h=11 m=52 s=16
